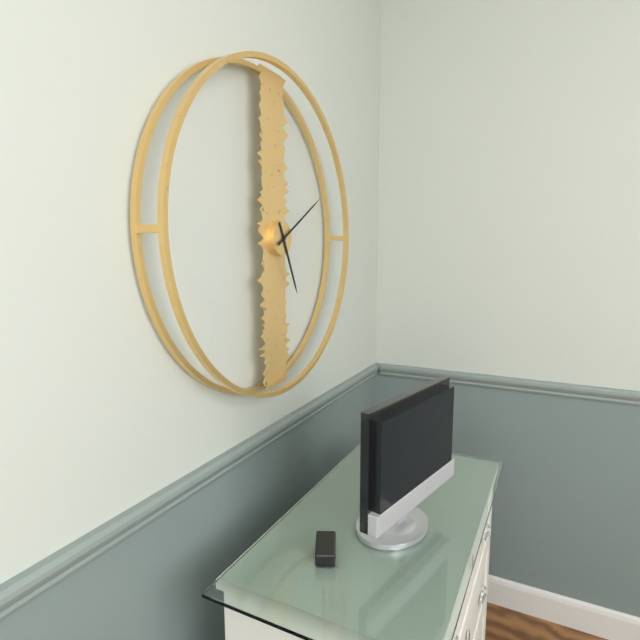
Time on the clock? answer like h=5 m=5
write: h=5 m=10
